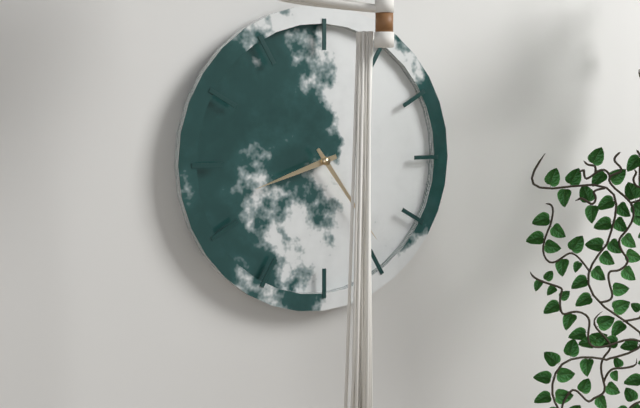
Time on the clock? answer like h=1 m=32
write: h=8 m=24
